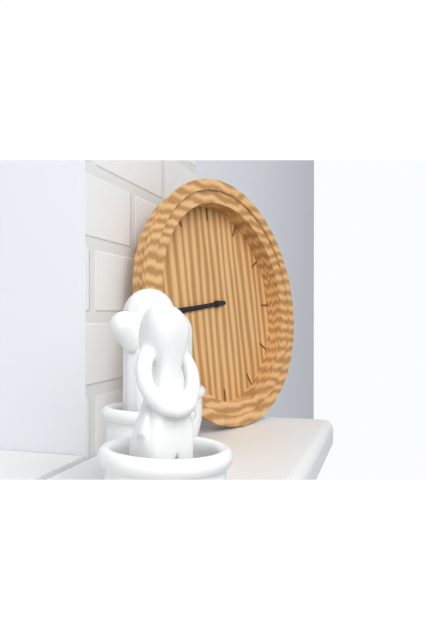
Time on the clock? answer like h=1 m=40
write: h=8 m=44
